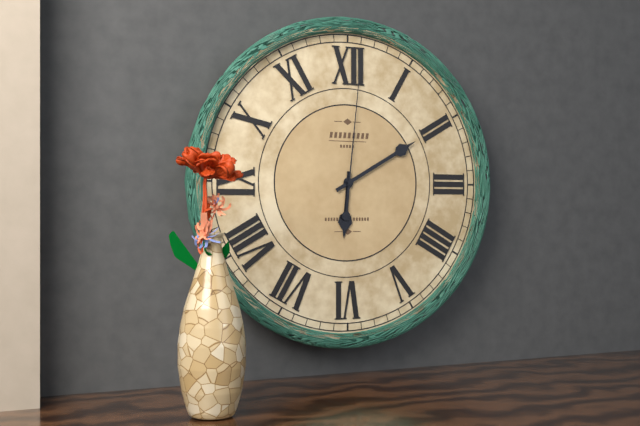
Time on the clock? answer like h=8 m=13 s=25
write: h=6 m=10 s=1
